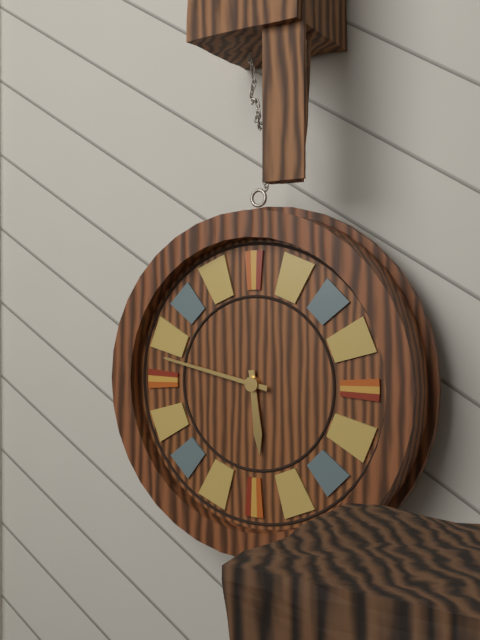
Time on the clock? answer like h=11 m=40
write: h=5 m=47
